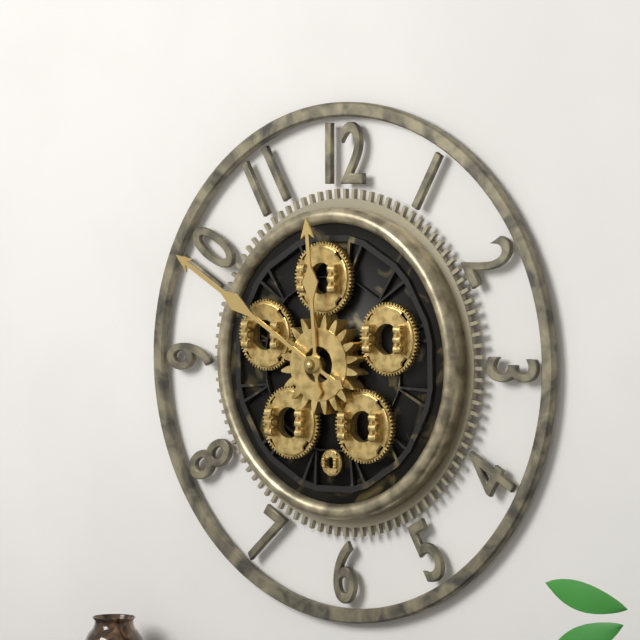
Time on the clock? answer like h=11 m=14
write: h=11 m=50
